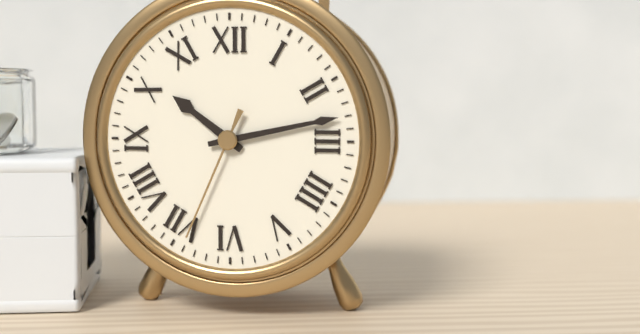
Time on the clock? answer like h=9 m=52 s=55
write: h=10 m=13 s=34
